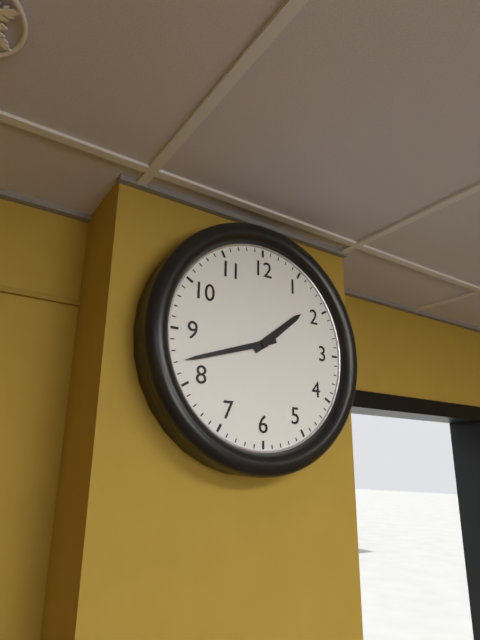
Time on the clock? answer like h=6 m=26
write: h=1 m=42
